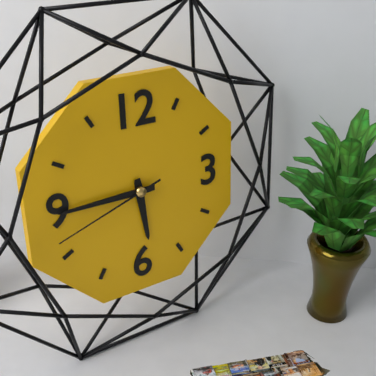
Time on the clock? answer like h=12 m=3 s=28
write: h=5 m=45 s=42
